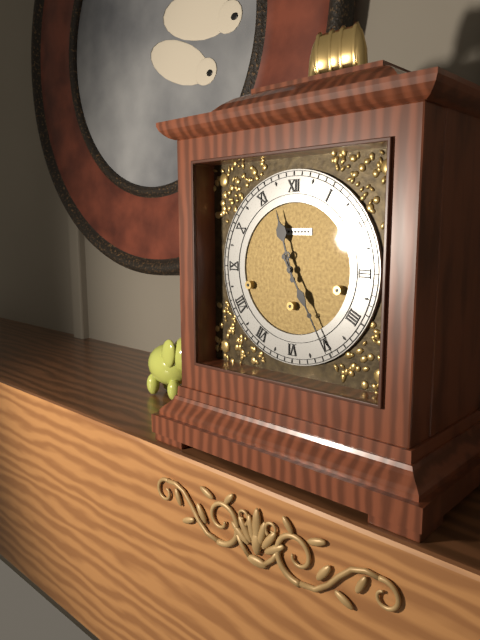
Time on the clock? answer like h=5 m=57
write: h=11 m=25
